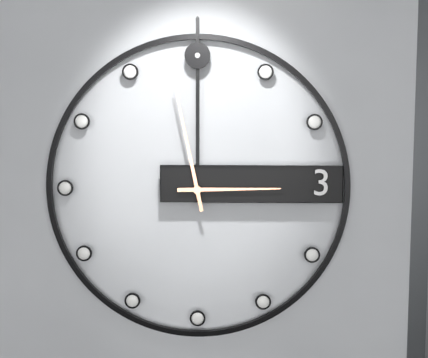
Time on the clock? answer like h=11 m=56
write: h=2 m=58
